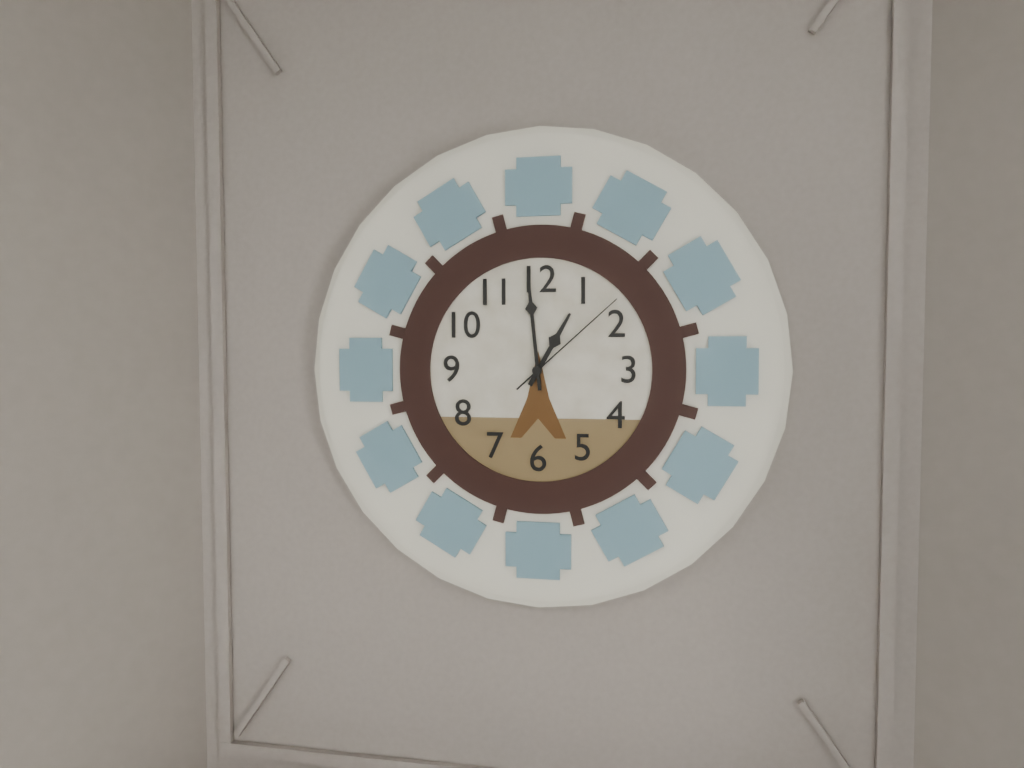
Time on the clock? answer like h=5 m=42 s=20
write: h=12 m=59 s=8
